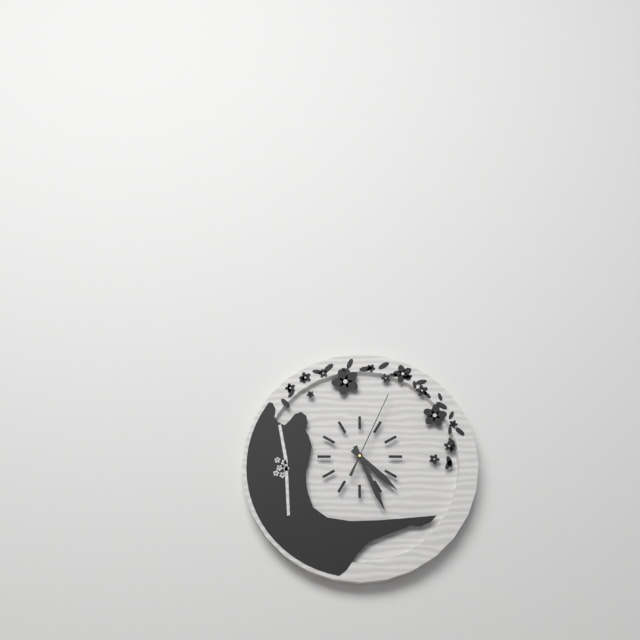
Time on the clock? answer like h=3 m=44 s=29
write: h=4 m=26 s=4
